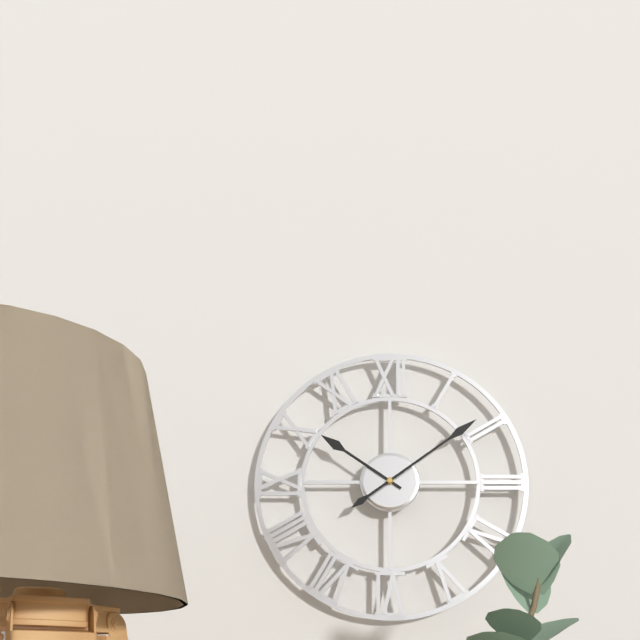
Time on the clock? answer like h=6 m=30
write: h=10 m=9
